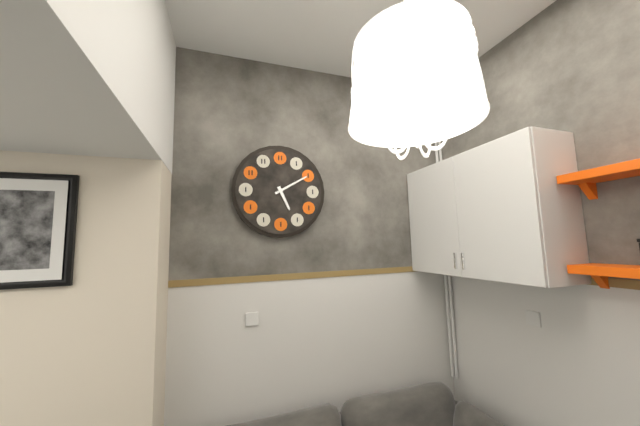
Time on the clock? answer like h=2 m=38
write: h=5 m=10
